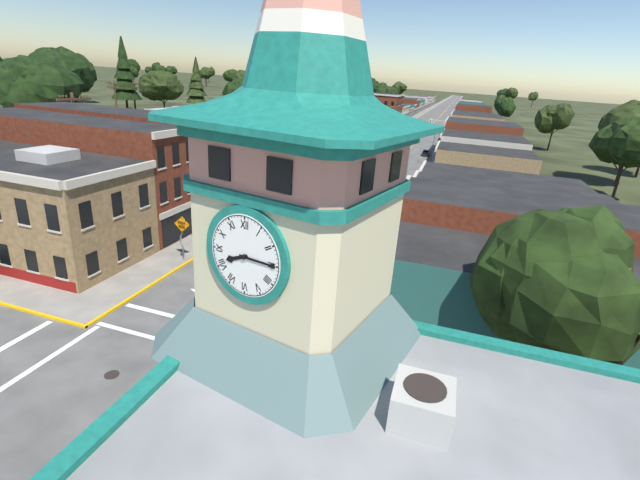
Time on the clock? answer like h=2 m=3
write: h=8 m=15
